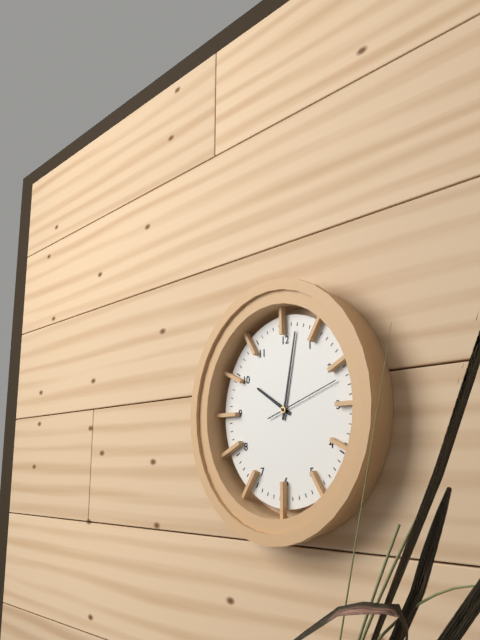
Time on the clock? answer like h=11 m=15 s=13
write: h=10 m=2 s=12
